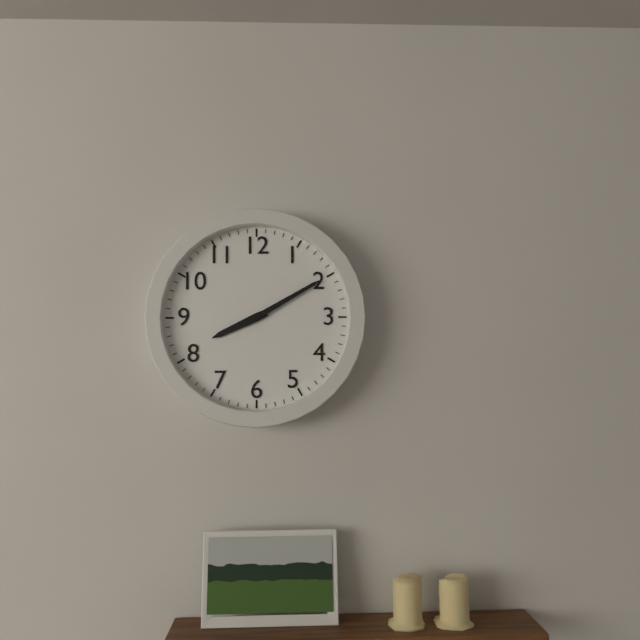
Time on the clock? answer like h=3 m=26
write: h=8 m=10
